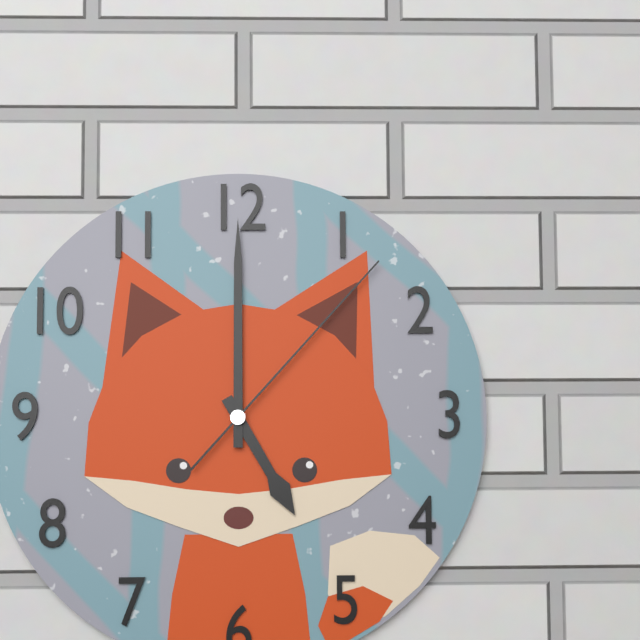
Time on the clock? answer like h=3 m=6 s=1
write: h=5 m=0 s=7
